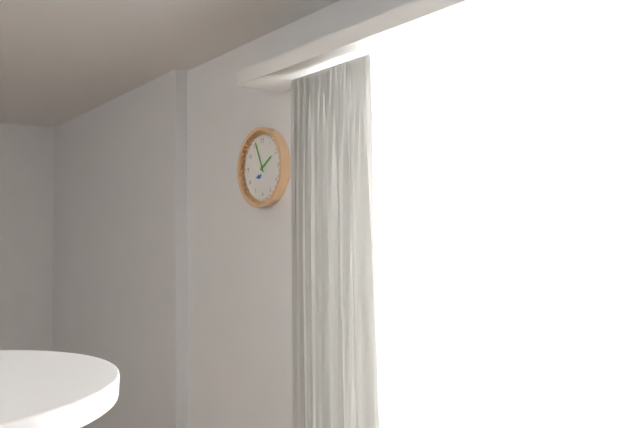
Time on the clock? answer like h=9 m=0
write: h=1 m=56
